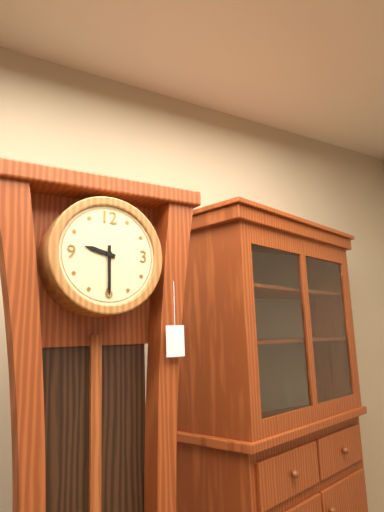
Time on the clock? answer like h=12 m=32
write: h=9 m=30
